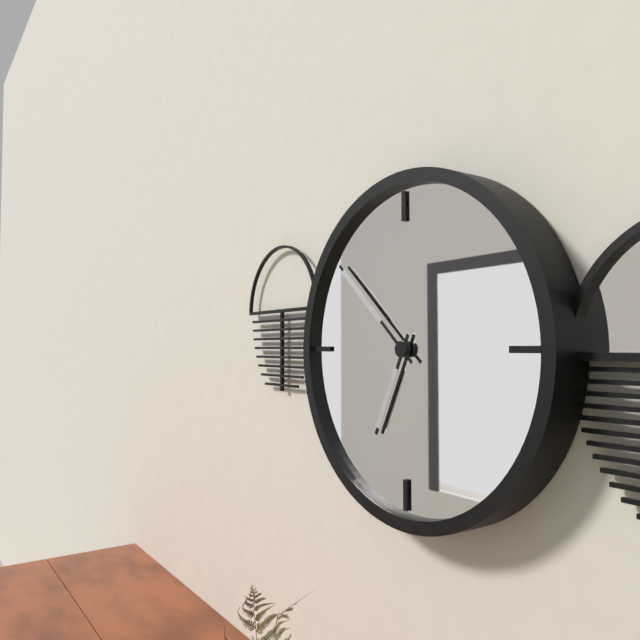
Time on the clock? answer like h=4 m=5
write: h=6 m=52
